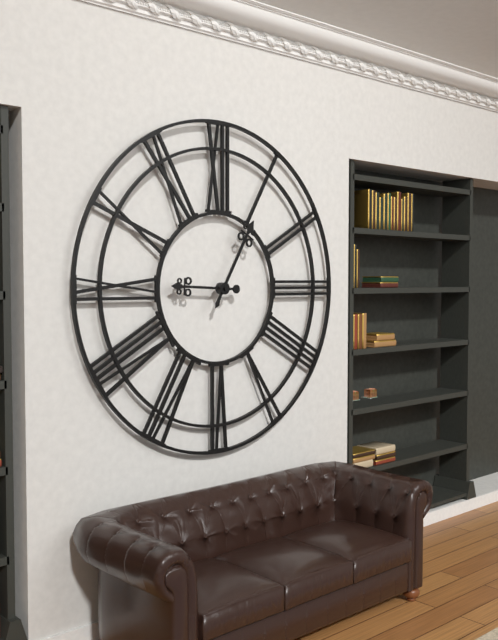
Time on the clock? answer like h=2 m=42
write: h=9 m=5
